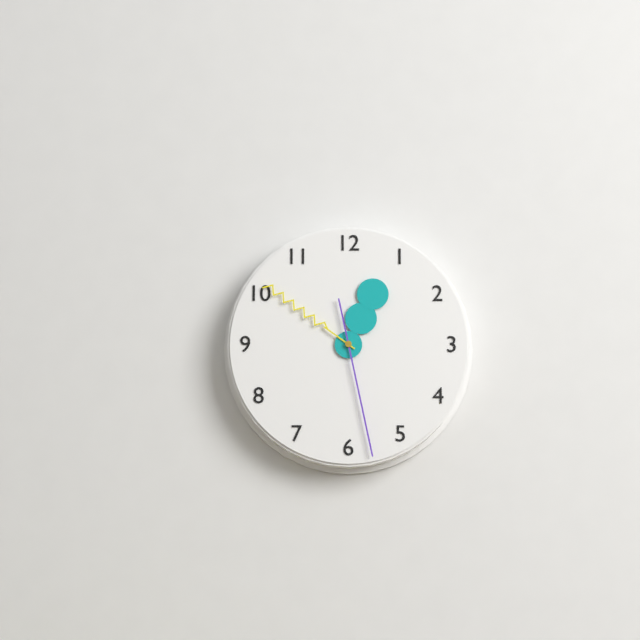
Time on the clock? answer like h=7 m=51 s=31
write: h=12 m=51 s=28
